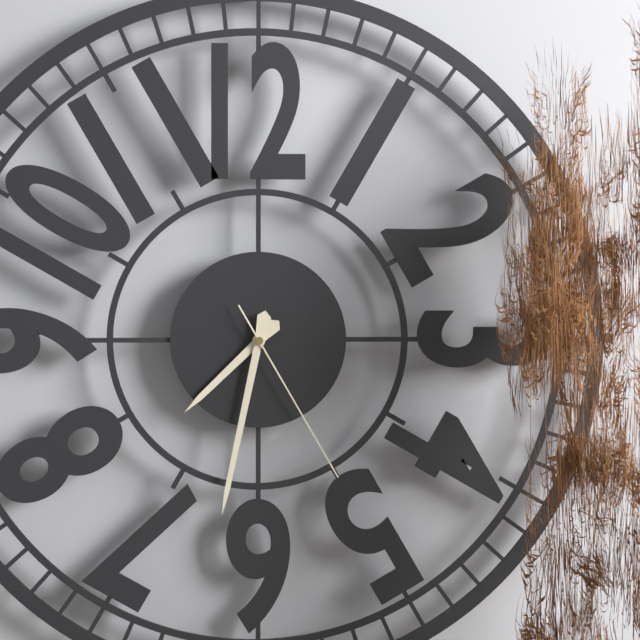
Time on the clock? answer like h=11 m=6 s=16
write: h=7 m=32 s=25
